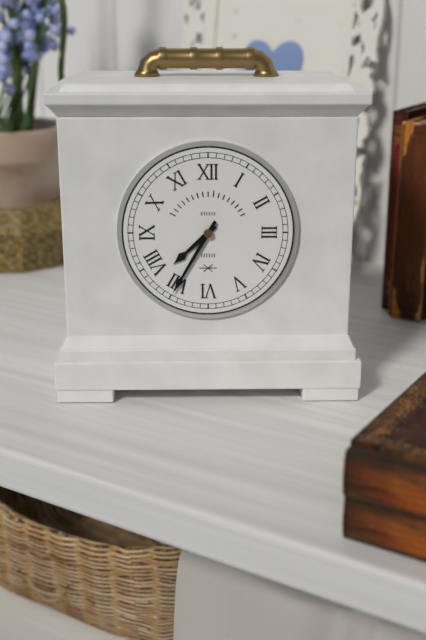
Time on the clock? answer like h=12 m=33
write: h=7 m=35
